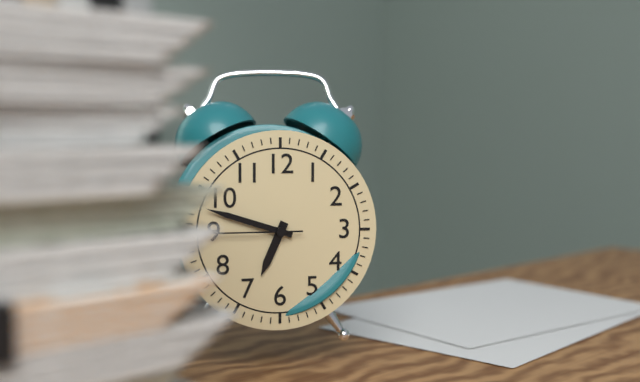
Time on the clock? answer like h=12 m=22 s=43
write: h=6 m=48 s=45
